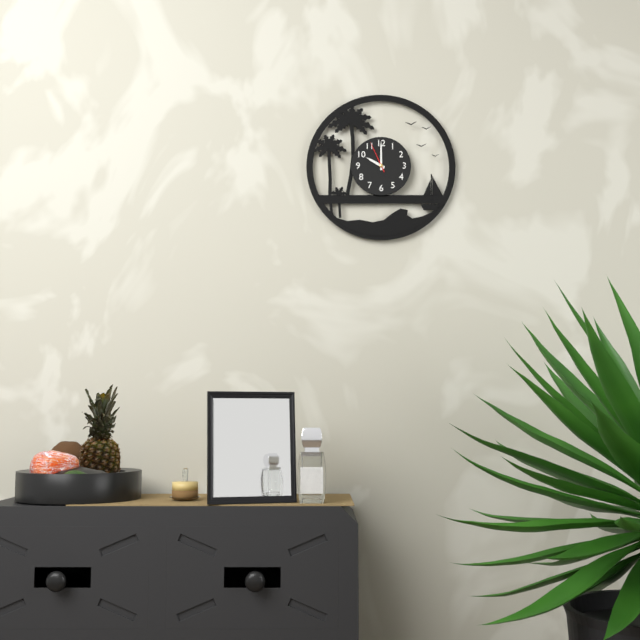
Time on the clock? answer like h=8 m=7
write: h=10 m=0
